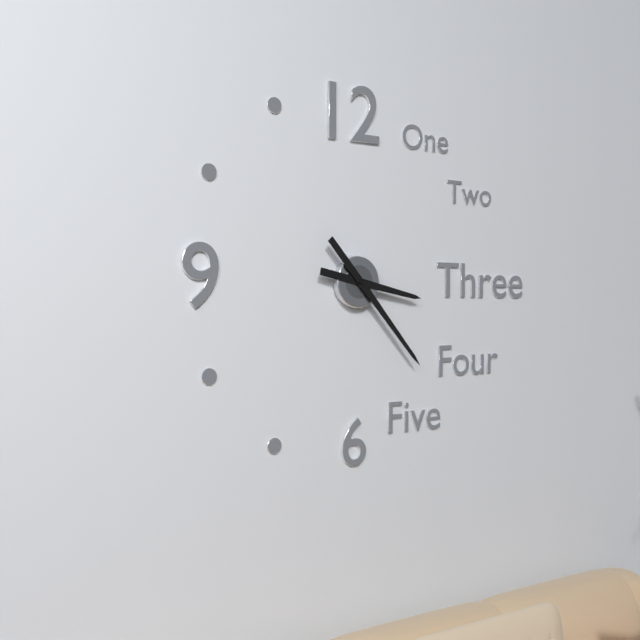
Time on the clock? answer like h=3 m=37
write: h=3 m=23
